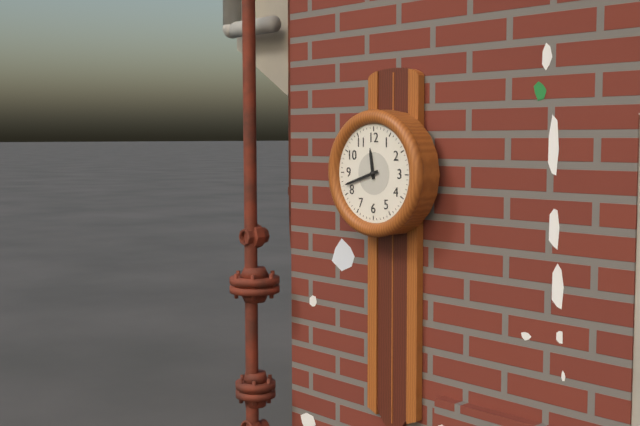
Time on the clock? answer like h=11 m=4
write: h=11 m=42
